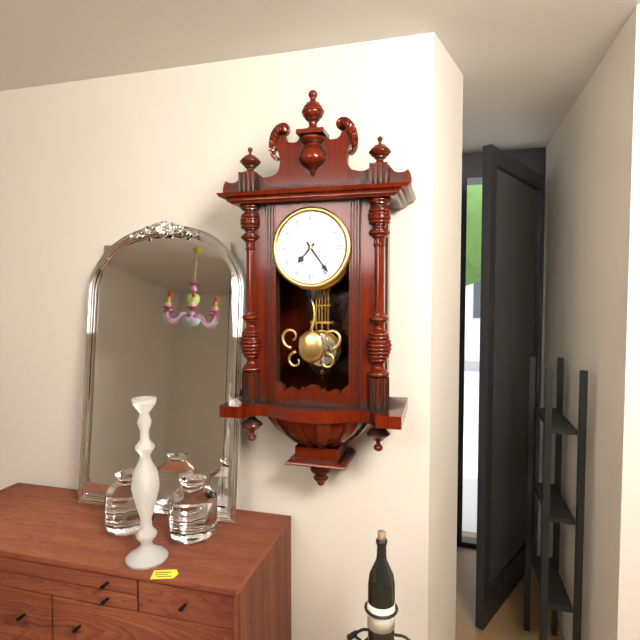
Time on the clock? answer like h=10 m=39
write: h=7 m=24
